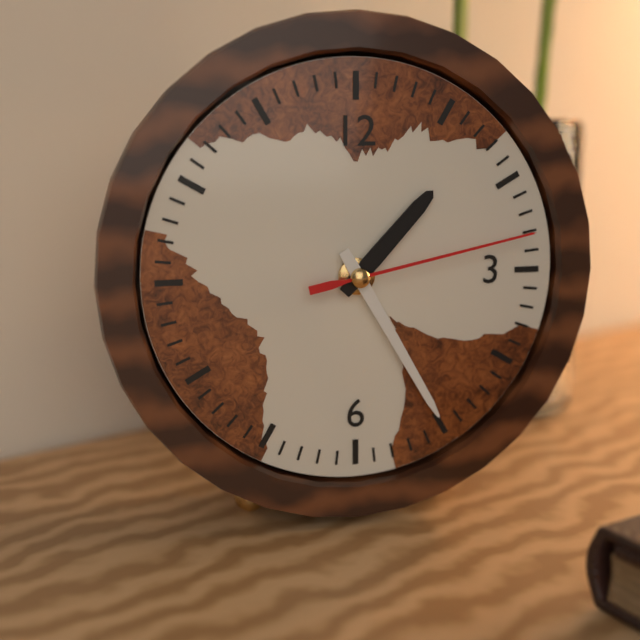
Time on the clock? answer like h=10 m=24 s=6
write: h=1 m=25 s=13
